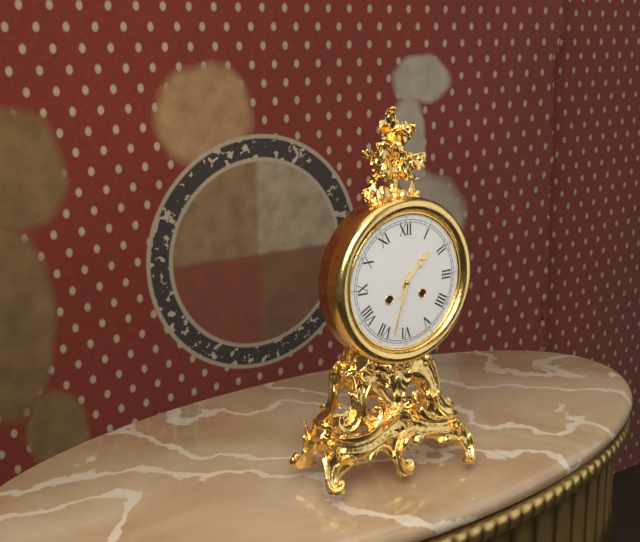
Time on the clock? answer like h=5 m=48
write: h=1 m=33
